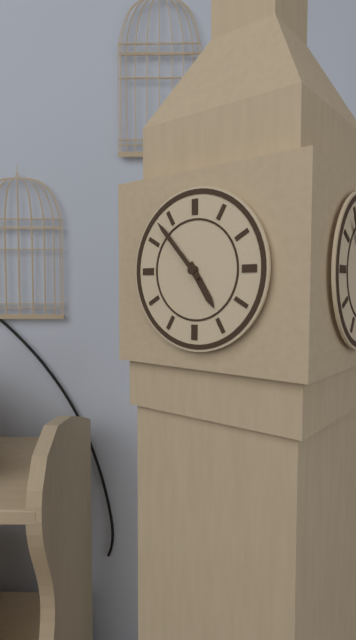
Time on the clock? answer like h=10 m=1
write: h=4 m=53
